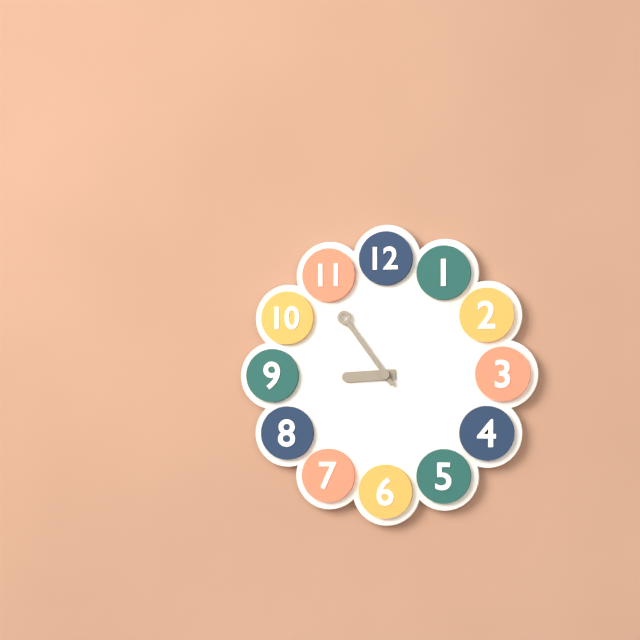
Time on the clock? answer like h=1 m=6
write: h=8 m=54
